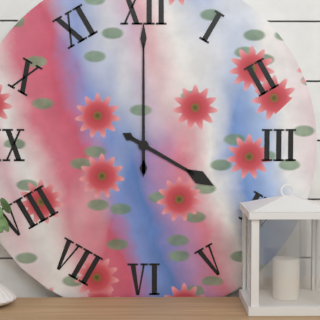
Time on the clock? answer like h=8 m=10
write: h=4 m=0
